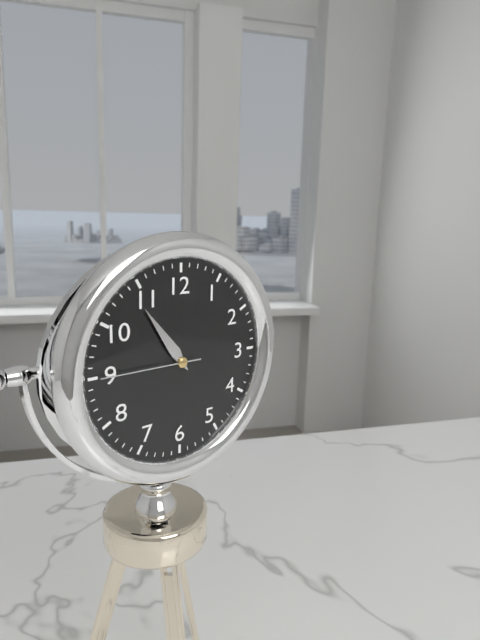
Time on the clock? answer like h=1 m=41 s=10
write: h=10 m=54 s=45
